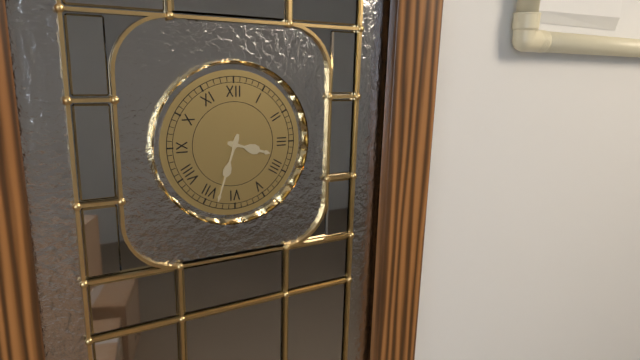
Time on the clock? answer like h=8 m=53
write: h=3 m=33
